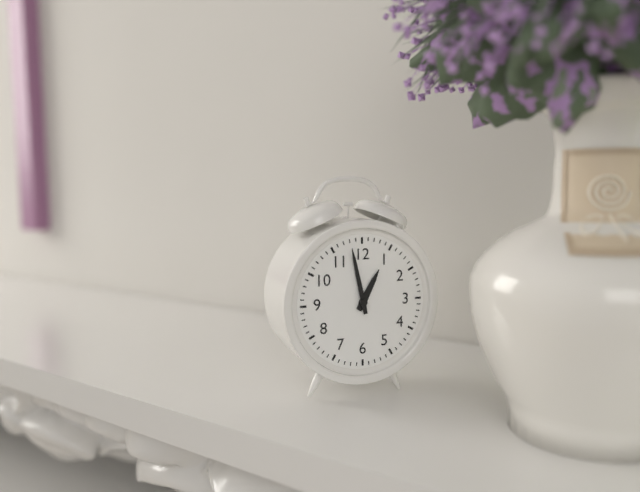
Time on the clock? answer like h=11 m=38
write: h=12 m=58
